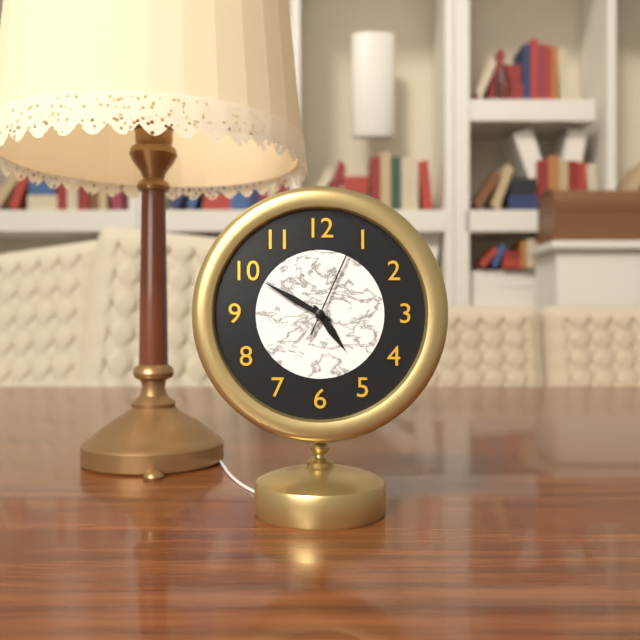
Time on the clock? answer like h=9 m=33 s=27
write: h=4 m=50 s=4
